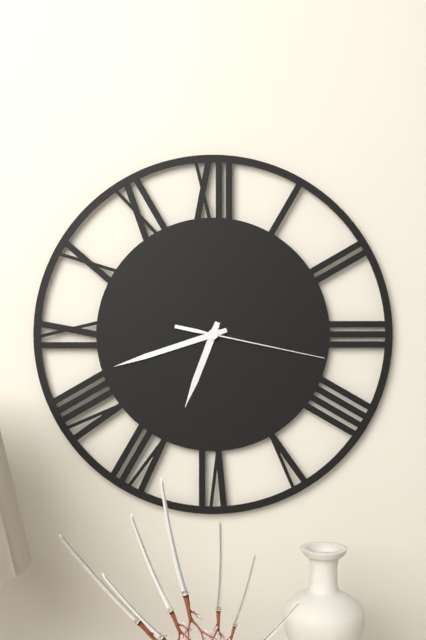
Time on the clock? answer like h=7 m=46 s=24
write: h=6 m=42 s=17
